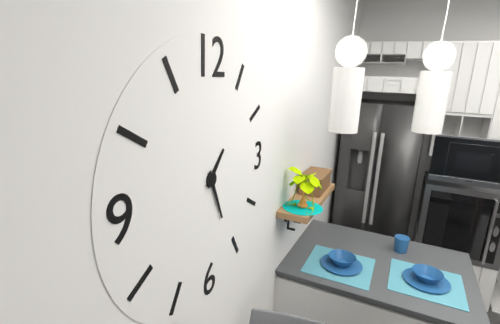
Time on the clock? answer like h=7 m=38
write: h=1 m=26
